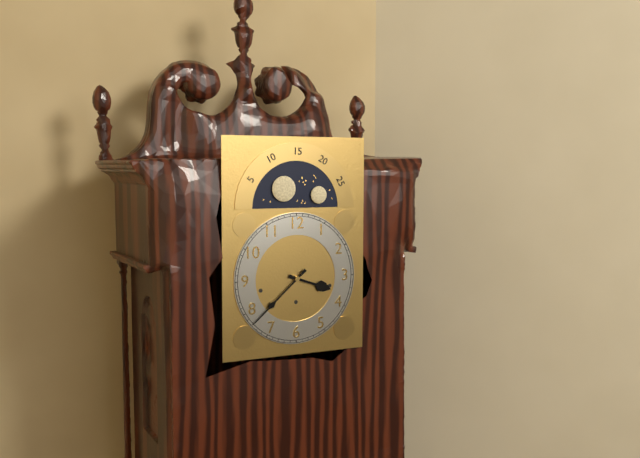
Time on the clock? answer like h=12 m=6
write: h=3 m=38
